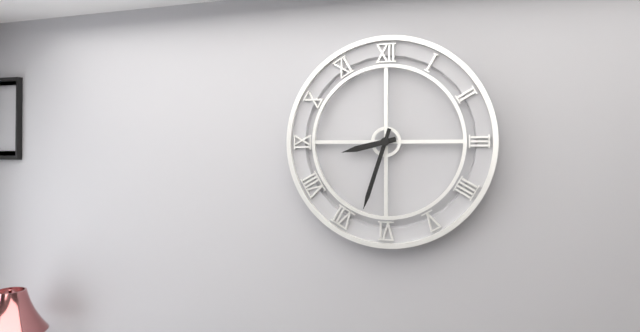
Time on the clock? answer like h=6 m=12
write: h=8 m=33
